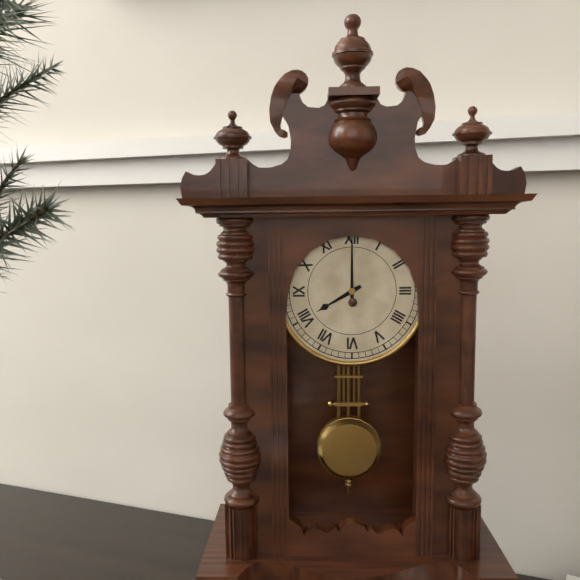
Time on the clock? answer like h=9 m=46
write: h=8 m=0
